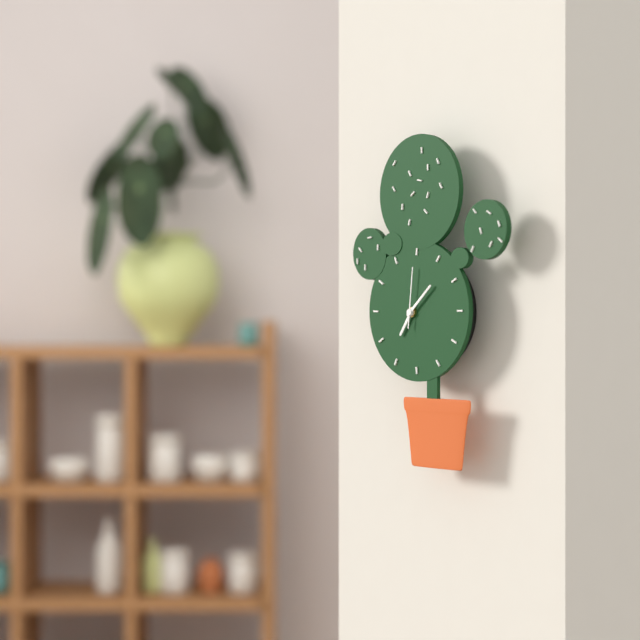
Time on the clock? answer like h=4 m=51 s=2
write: h=7 m=8 s=1
